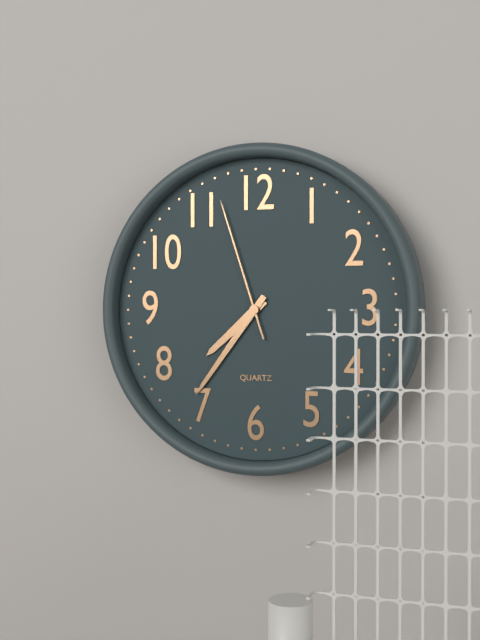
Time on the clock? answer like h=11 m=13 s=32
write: h=7 m=36 s=57
